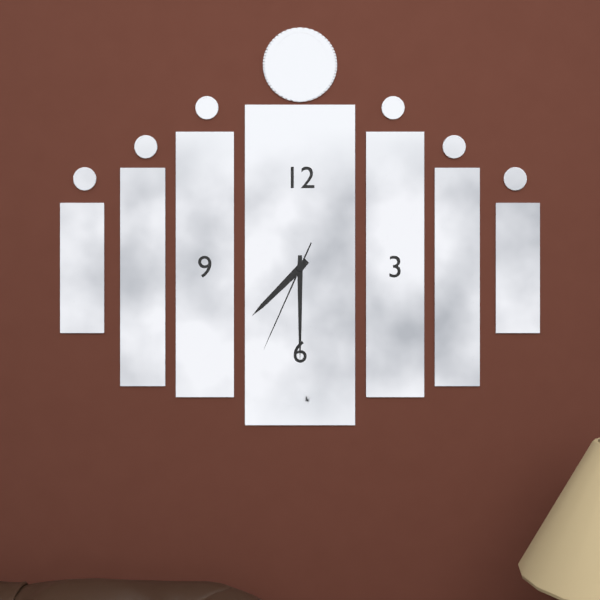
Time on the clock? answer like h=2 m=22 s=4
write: h=7 m=30 s=34
